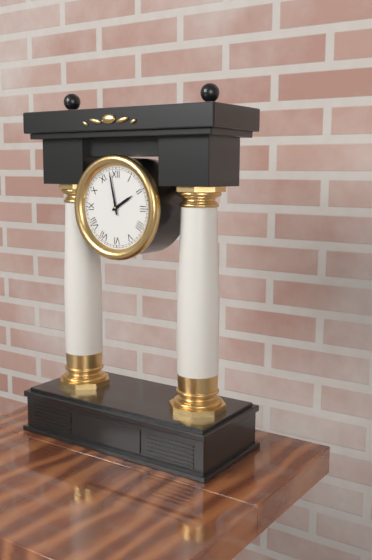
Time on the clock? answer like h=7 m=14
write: h=1 m=58
